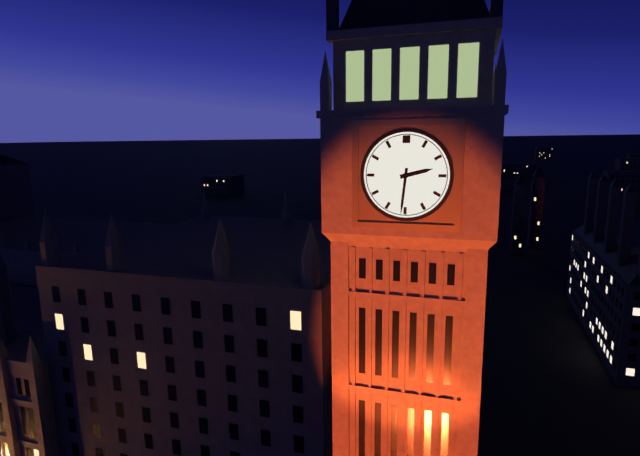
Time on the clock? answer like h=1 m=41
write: h=2 m=31
